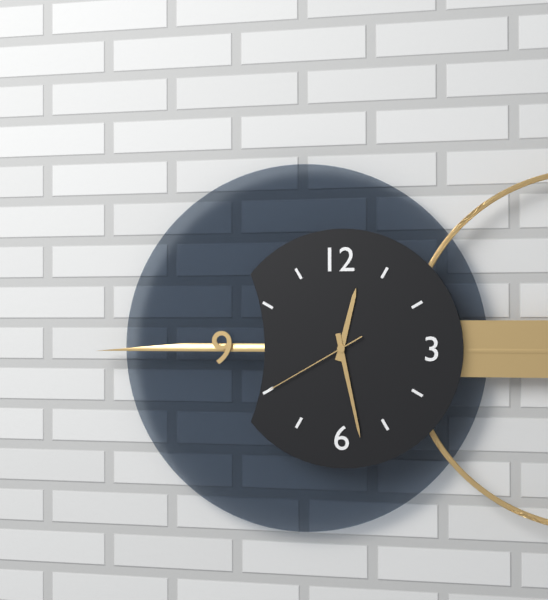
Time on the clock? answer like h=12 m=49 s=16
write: h=12 m=28 s=40
